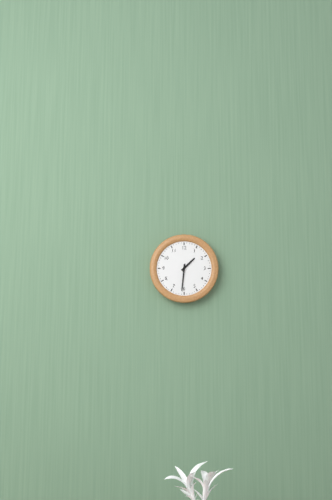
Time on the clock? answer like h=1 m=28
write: h=1 m=31
